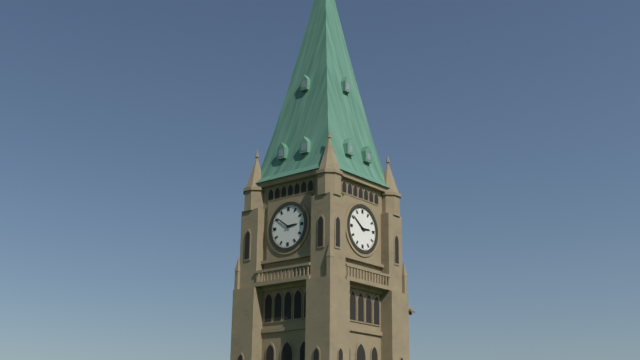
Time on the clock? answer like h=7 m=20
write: h=2 m=51
